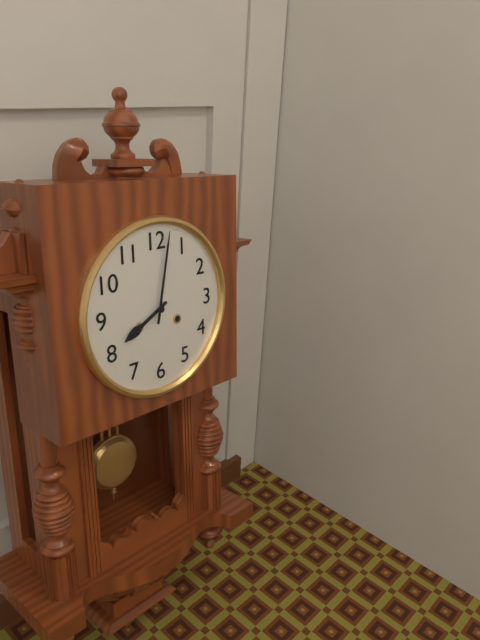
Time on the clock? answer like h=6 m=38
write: h=8 m=2
